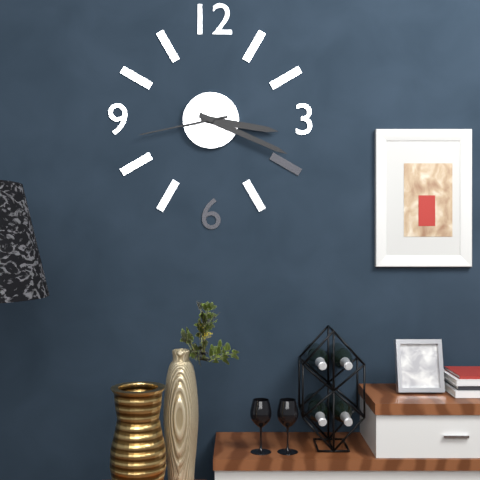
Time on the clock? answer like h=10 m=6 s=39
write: h=3 m=19 s=43
